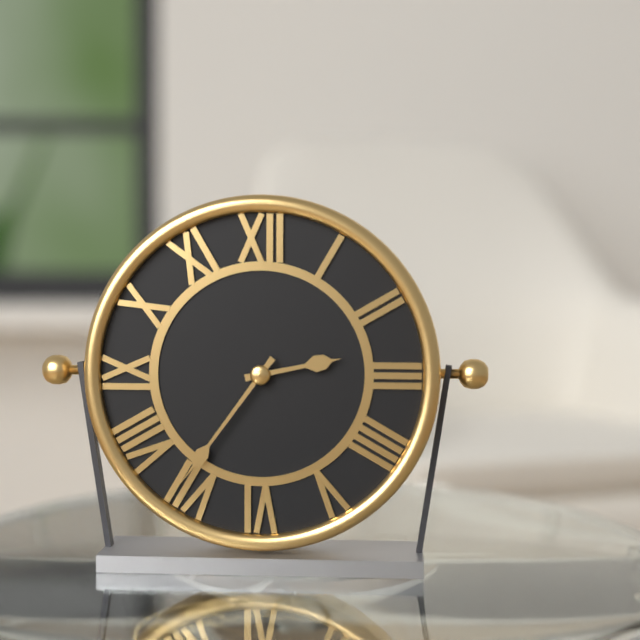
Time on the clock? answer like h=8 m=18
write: h=2 m=36
